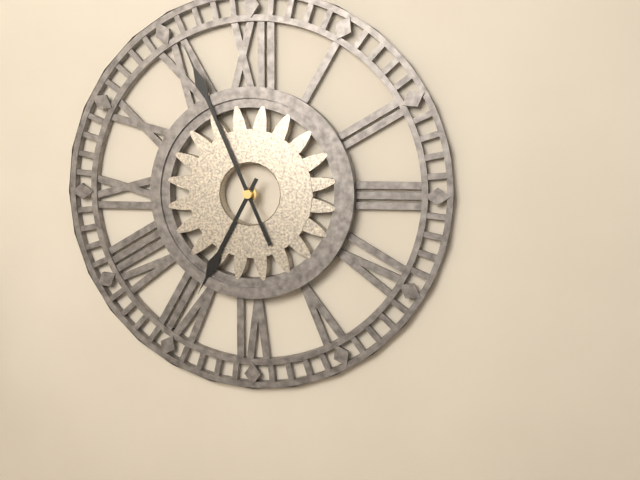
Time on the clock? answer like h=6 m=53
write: h=6 m=56
